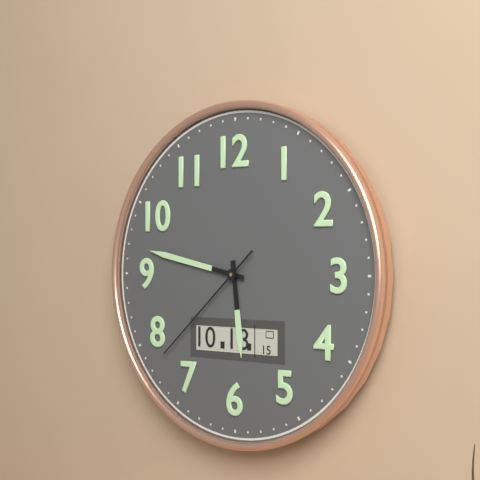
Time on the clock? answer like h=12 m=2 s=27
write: h=5 m=47 s=38
